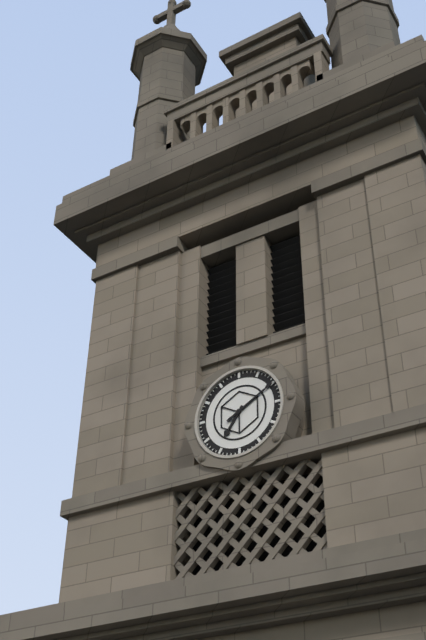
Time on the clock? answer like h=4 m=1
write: h=7 m=10
